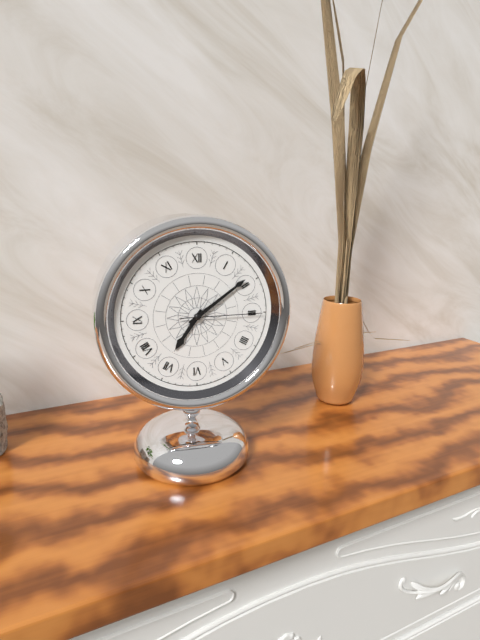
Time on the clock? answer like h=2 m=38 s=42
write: h=7 m=9 s=15
